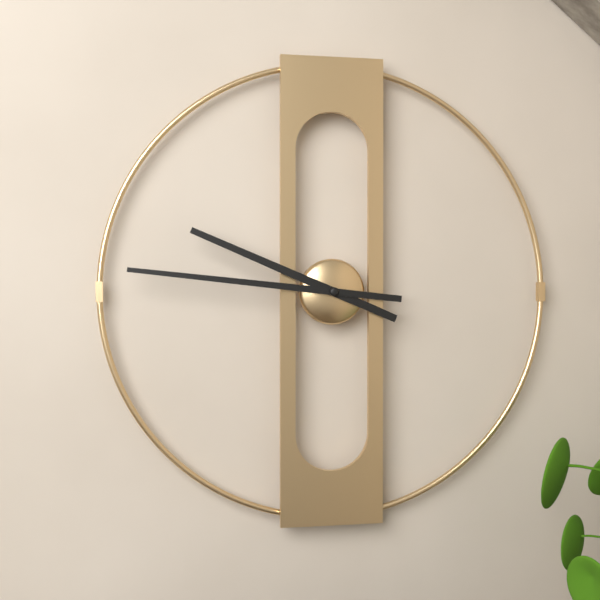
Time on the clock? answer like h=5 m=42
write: h=9 m=46
